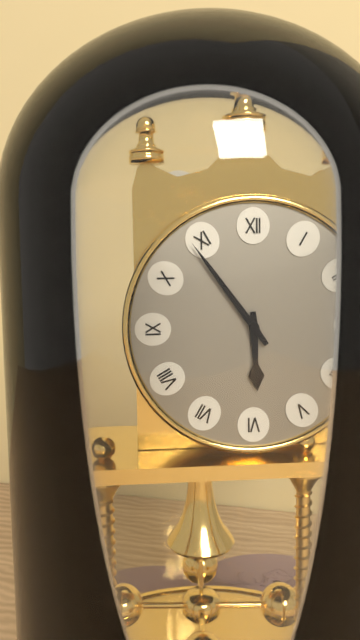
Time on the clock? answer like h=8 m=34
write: h=5 m=54
